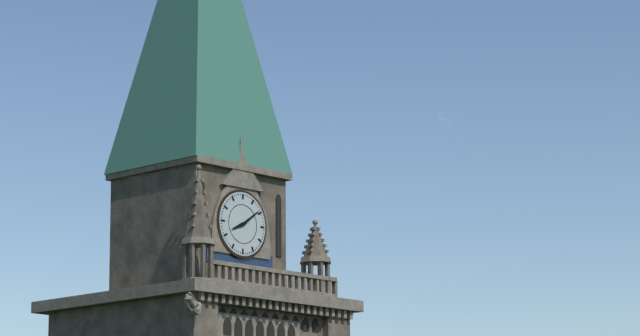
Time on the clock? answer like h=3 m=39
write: h=8 m=9
